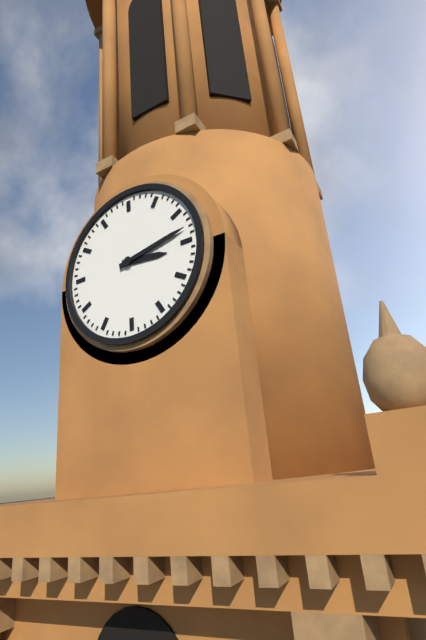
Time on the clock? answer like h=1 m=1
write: h=3 m=13
